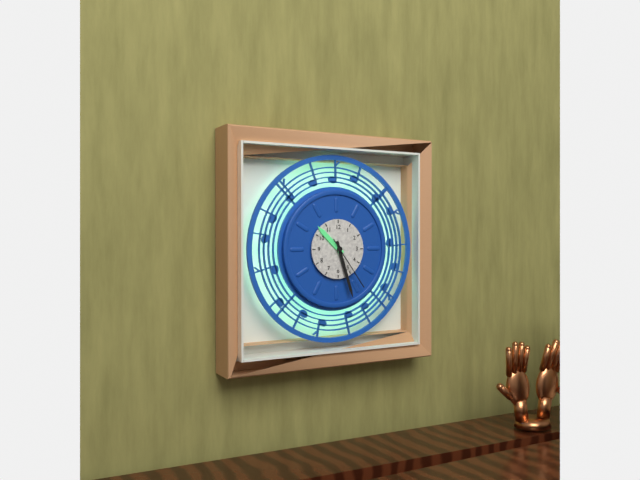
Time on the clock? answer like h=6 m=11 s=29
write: h=10 m=27 s=24
